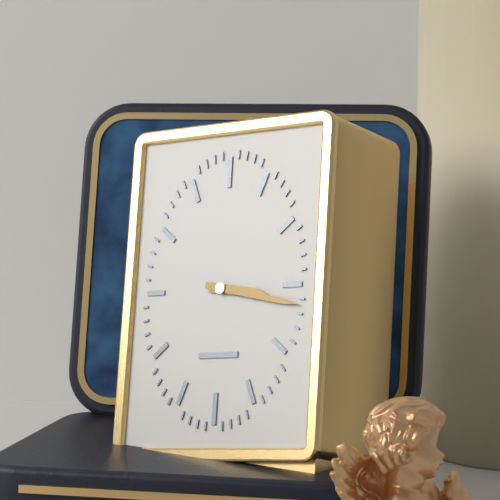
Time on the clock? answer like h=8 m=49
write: h=3 m=17
